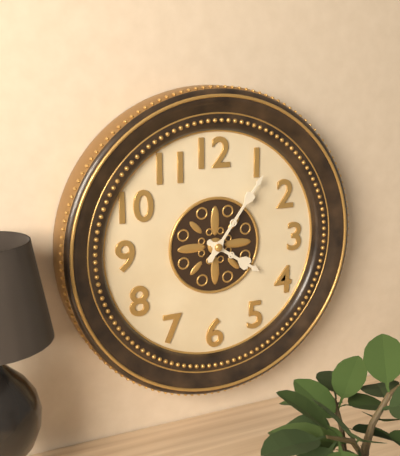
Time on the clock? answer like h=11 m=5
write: h=4 m=6
